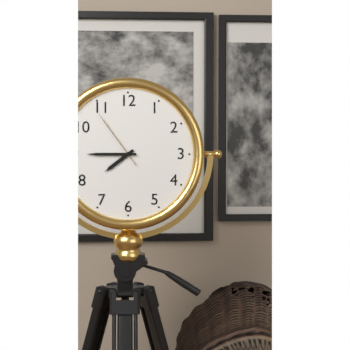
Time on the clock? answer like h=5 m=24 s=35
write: h=7 m=45 s=54
